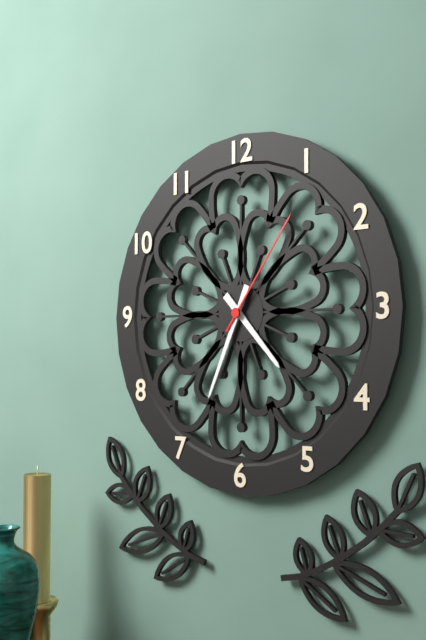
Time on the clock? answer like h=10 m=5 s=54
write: h=4 m=34 s=6
